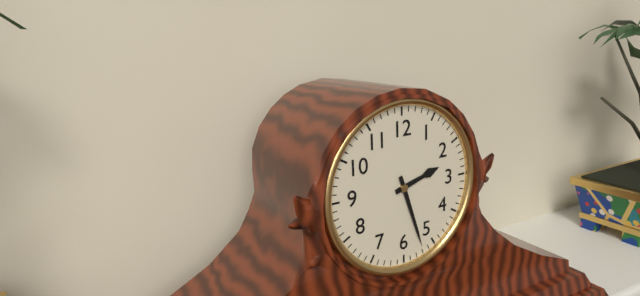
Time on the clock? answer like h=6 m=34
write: h=2 m=27
